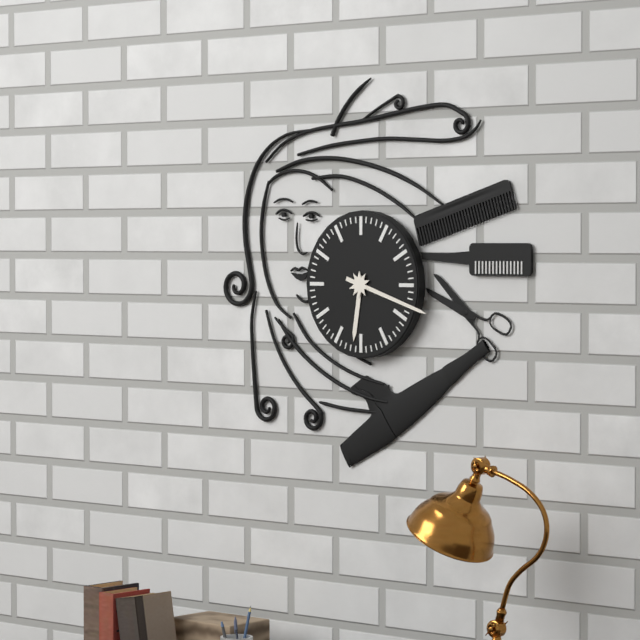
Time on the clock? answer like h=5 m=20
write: h=6 m=18
